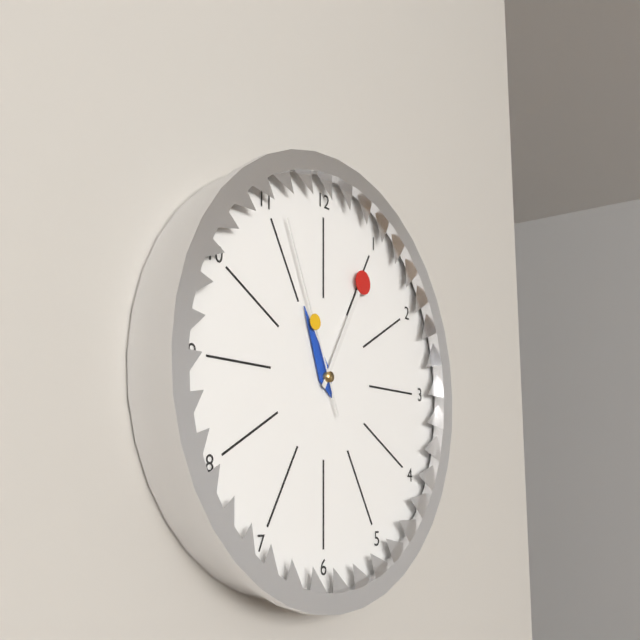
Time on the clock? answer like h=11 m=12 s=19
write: h=11 m=5 s=56
